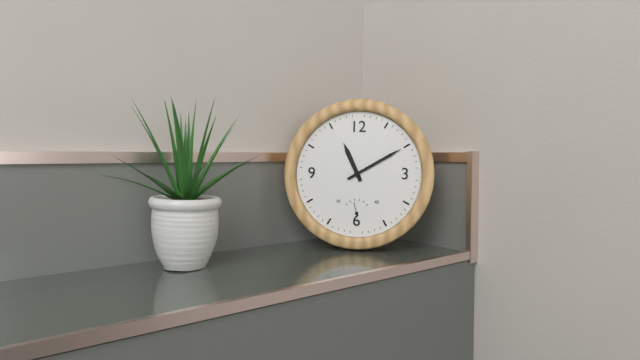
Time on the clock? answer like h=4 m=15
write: h=11 m=10
